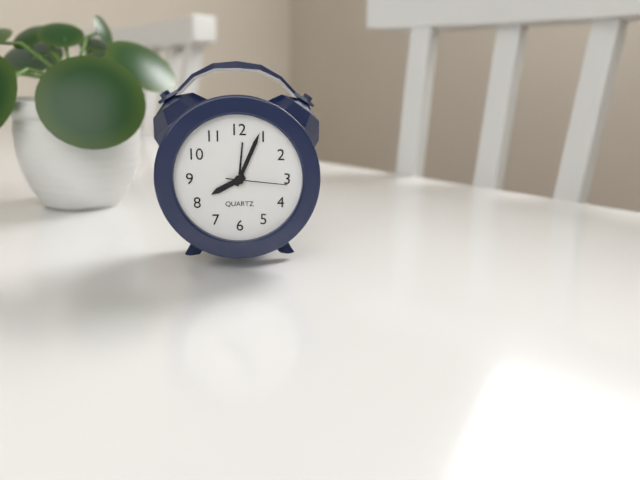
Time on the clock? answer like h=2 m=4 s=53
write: h=8 m=4 s=16
